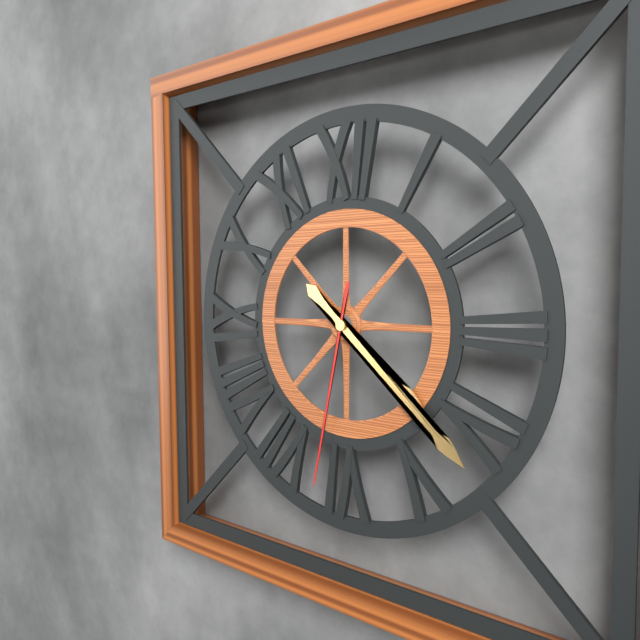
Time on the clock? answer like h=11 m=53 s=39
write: h=4 m=22 s=32
